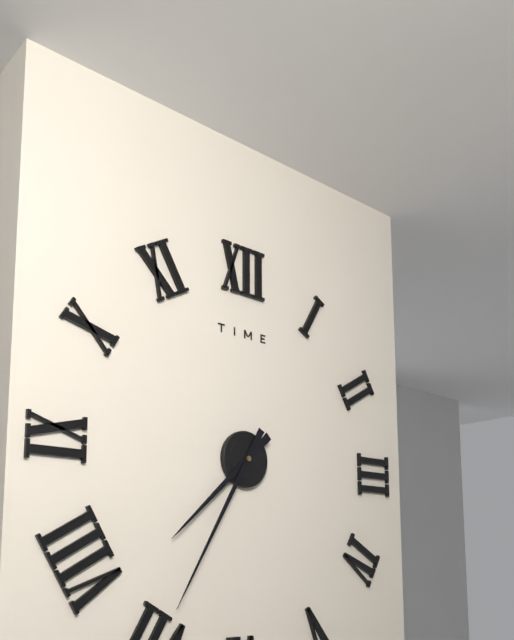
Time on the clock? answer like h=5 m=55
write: h=7 m=35
